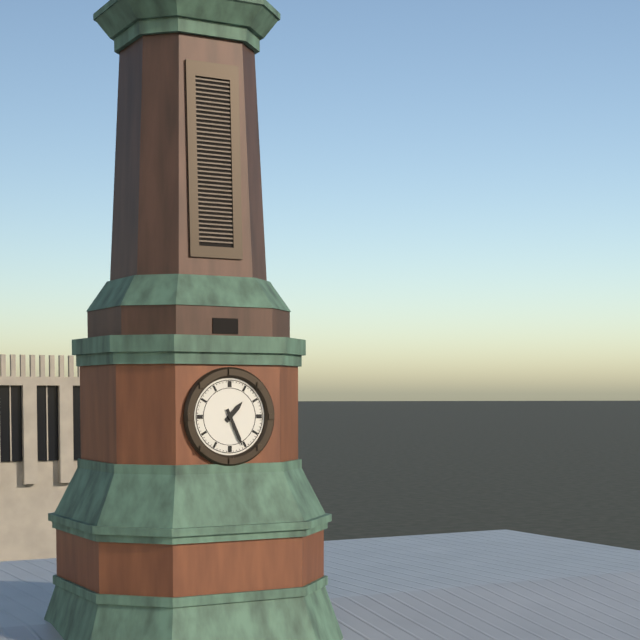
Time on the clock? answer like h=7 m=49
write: h=1 m=26
